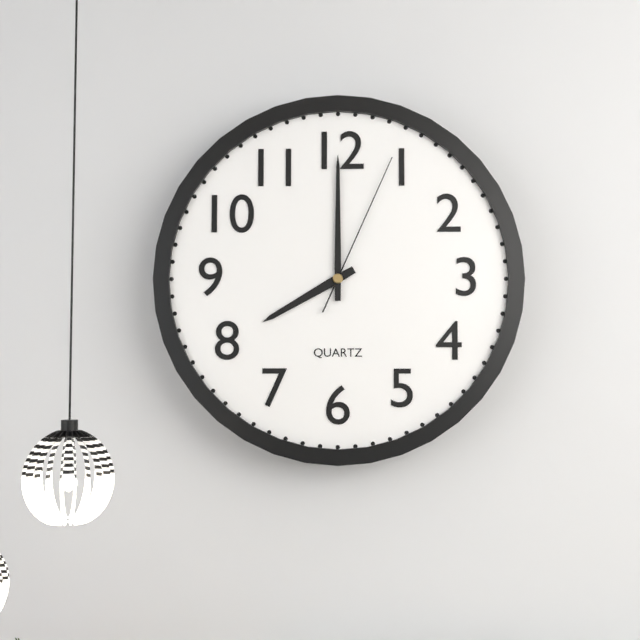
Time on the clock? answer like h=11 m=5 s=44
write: h=8 m=0 s=4
